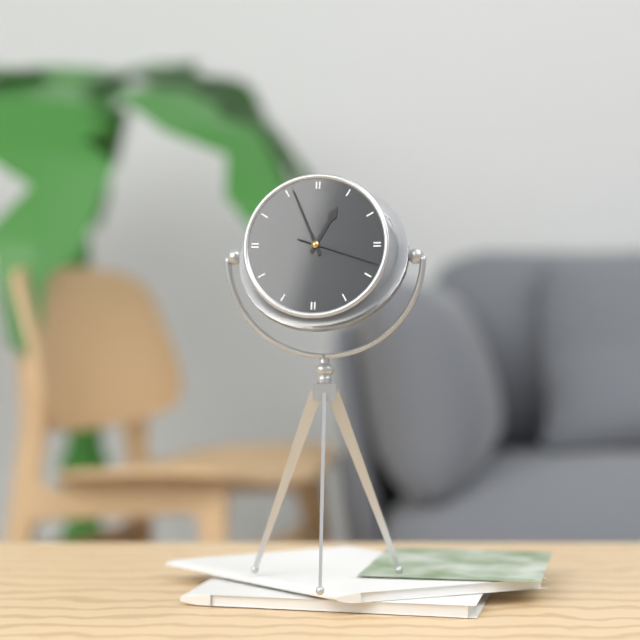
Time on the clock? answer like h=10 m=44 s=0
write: h=12 m=56 s=18
